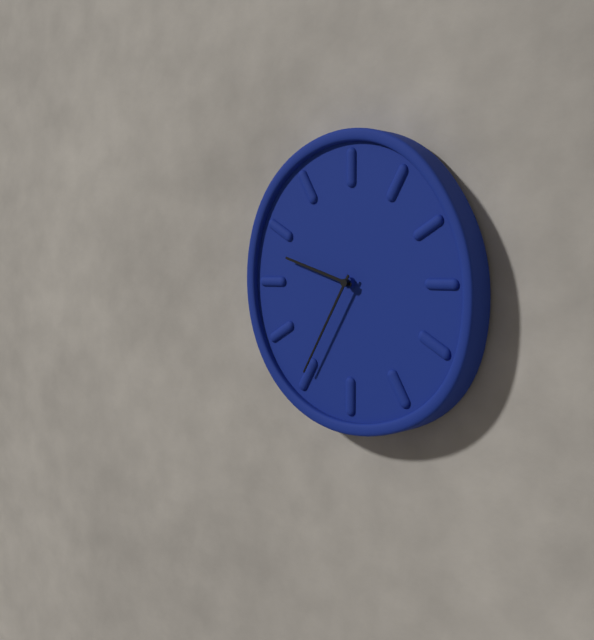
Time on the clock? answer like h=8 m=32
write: h=9 m=35
